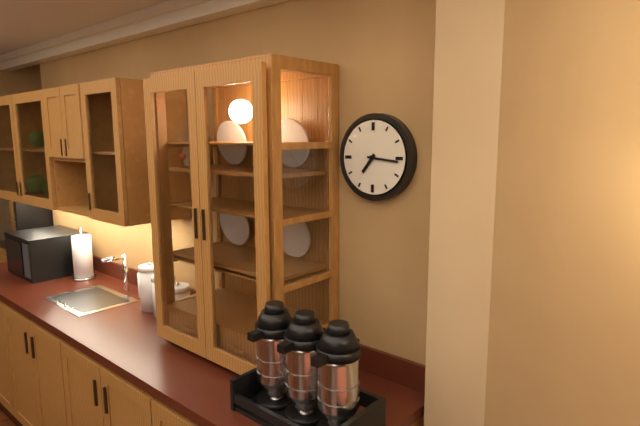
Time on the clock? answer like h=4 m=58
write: h=7 m=16
